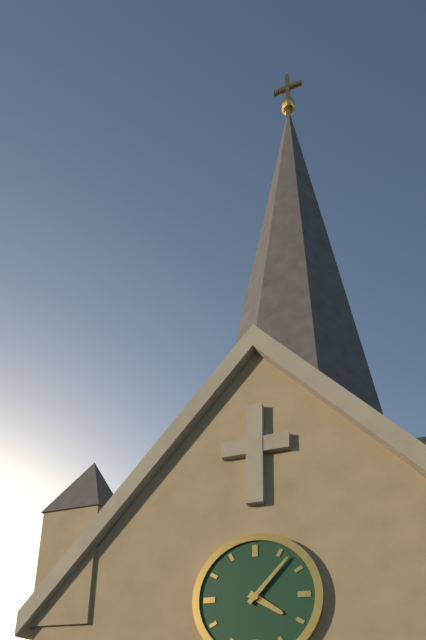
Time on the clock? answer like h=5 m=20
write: h=4 m=7
